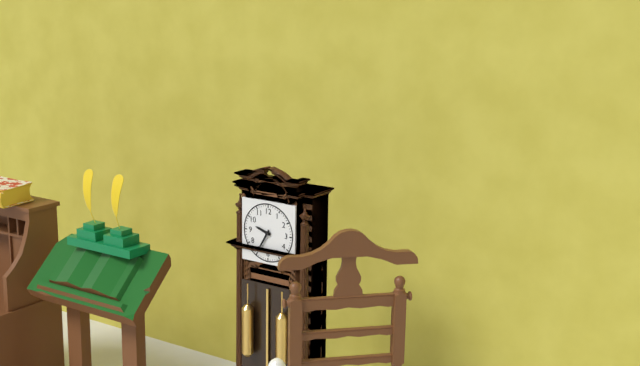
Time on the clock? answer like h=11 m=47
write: h=9 m=35
